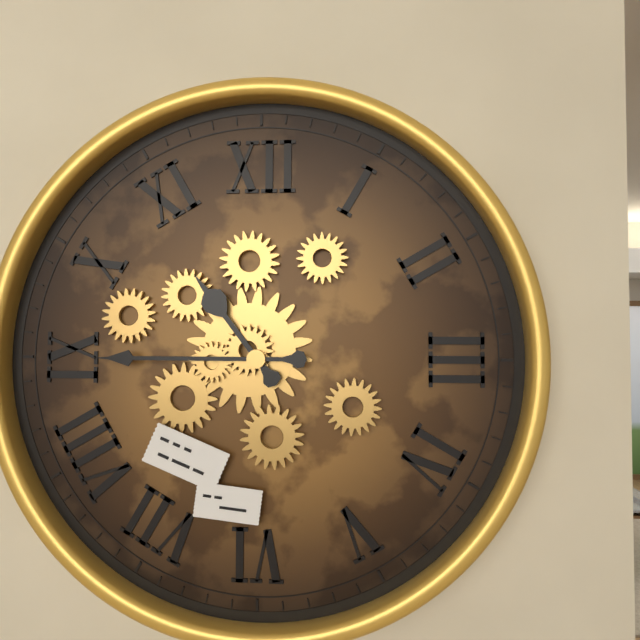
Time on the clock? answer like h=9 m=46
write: h=10 m=45
